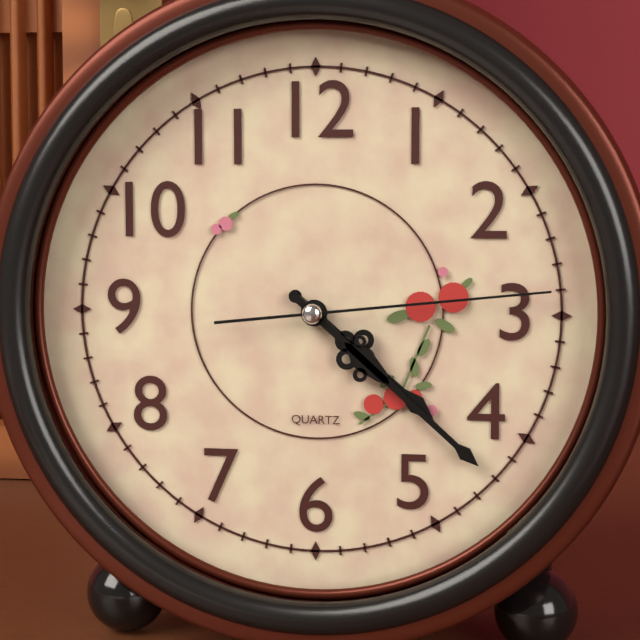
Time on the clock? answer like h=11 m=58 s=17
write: h=4 m=22 s=14
